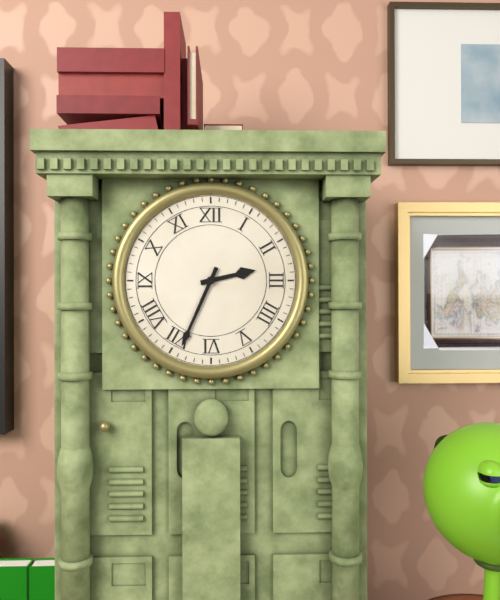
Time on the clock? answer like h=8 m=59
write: h=2 m=34
